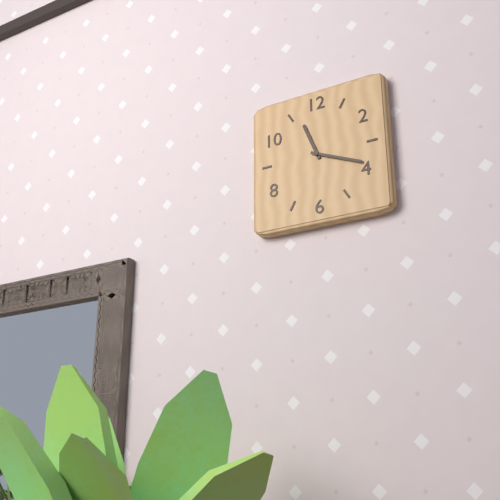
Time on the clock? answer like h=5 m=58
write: h=11 m=19
